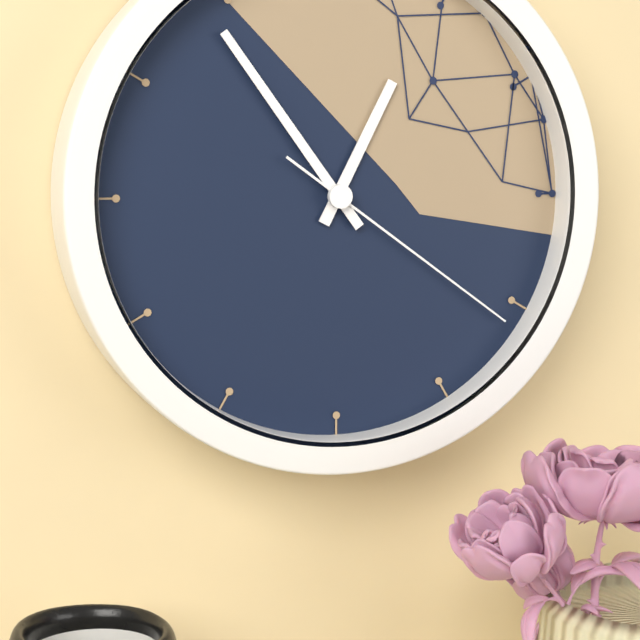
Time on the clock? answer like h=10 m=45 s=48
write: h=12 m=54 s=21
